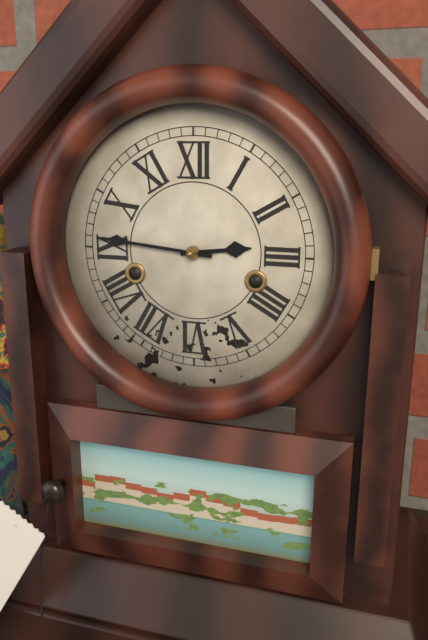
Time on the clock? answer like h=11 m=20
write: h=2 m=46
